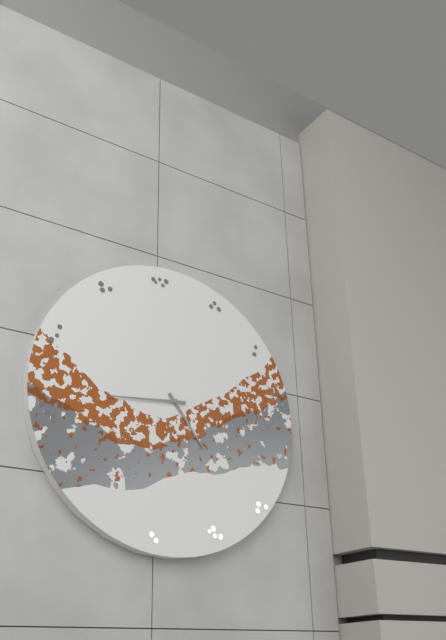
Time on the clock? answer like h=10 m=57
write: h=4 m=44
